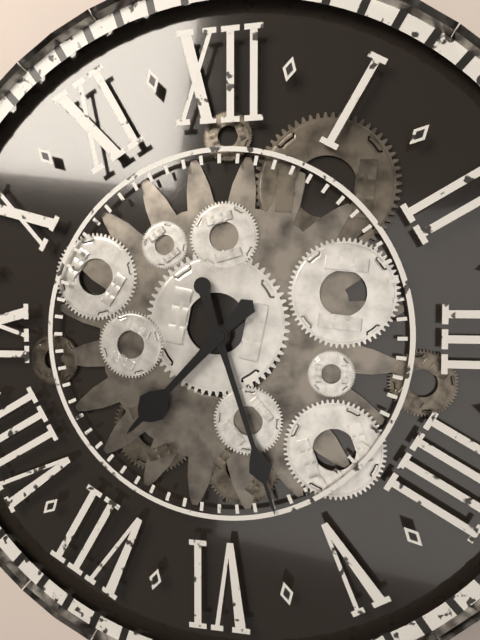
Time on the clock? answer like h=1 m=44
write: h=7 m=27
